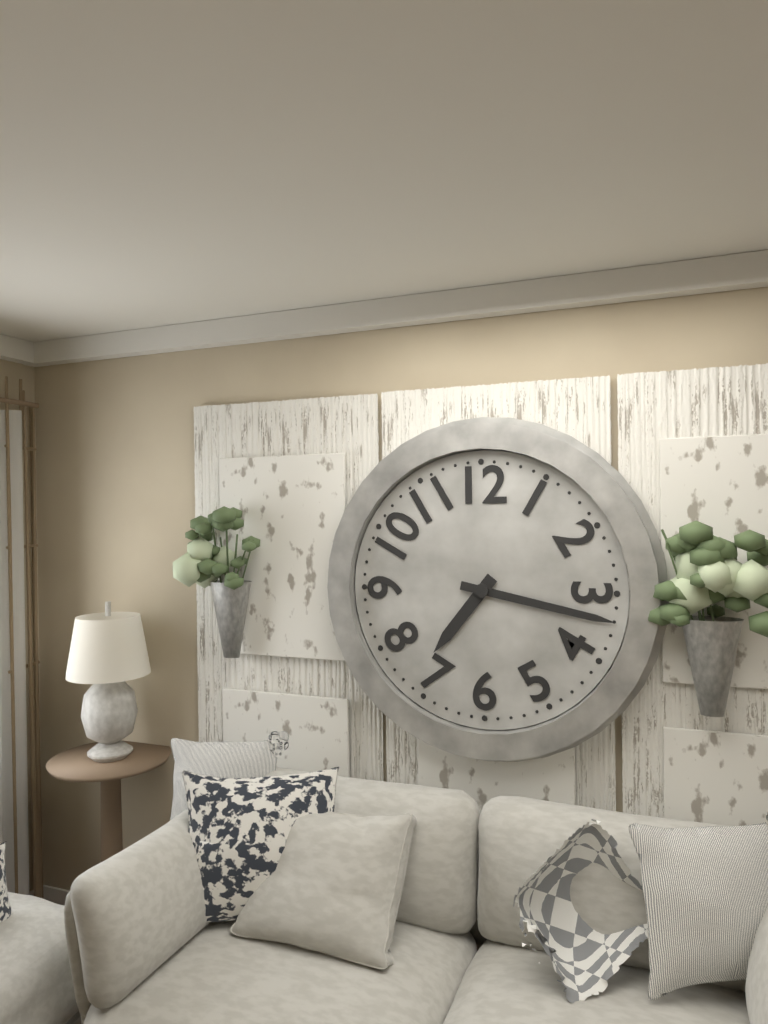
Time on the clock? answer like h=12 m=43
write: h=7 m=17
